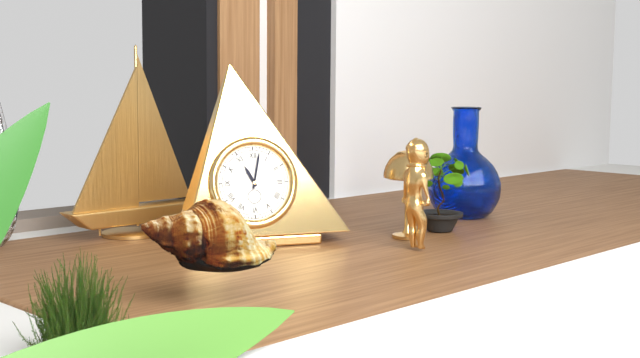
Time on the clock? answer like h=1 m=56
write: h=11 m=2
